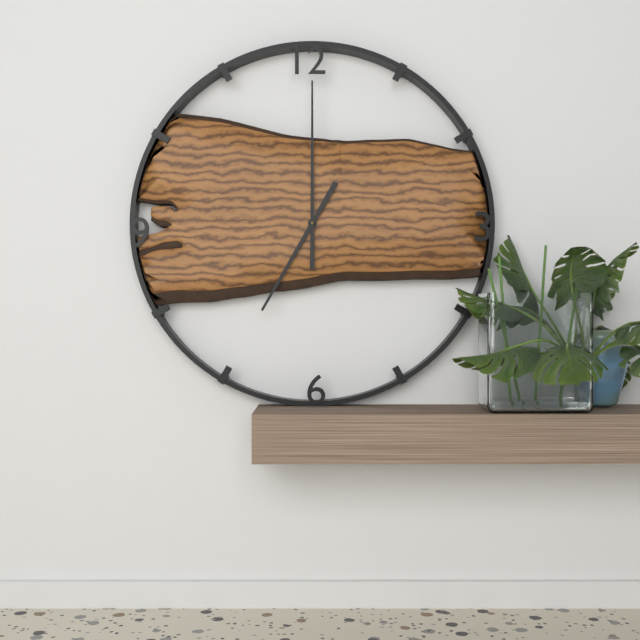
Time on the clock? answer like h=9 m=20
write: h=7 m=0
